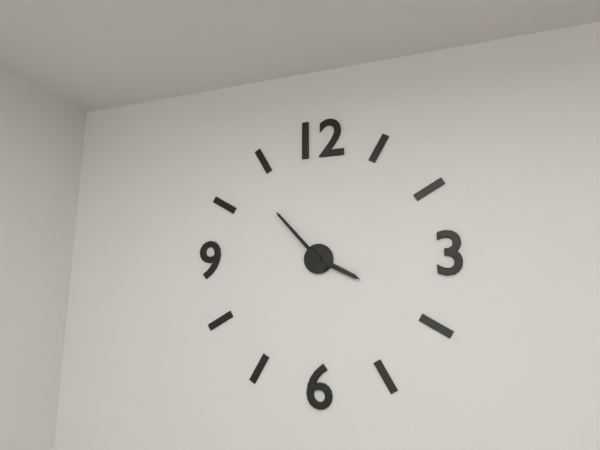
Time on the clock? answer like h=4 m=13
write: h=3 m=53
